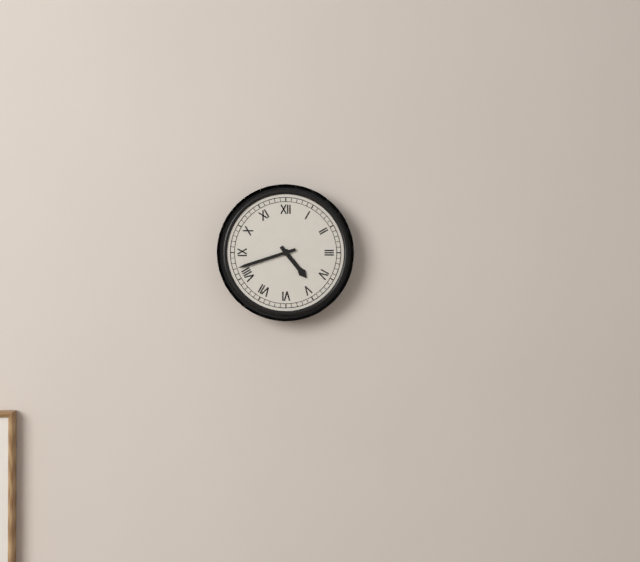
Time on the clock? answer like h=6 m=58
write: h=4 m=42
